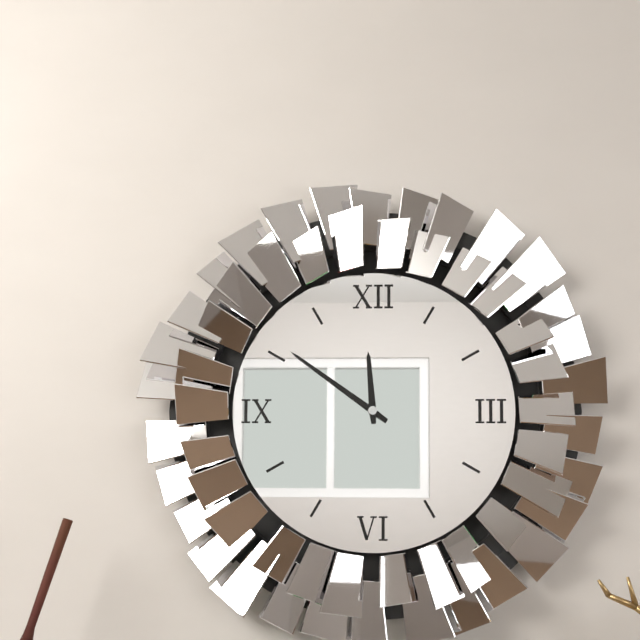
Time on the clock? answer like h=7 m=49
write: h=11 m=51
